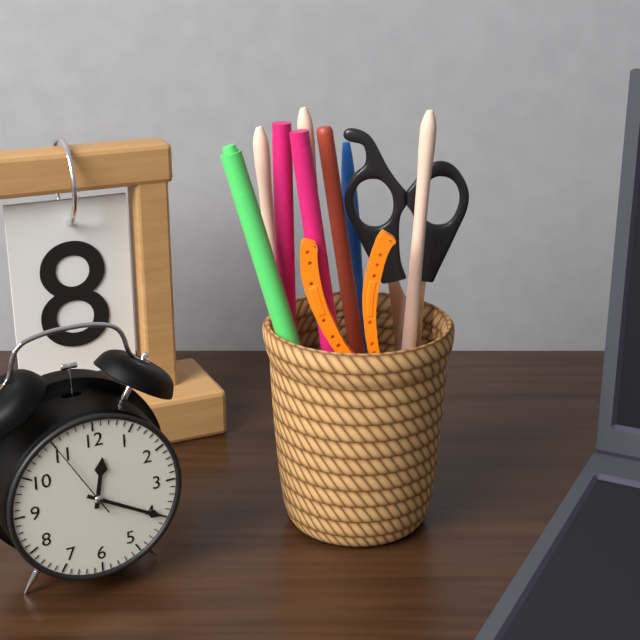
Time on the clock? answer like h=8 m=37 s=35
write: h=12 m=20 s=55
